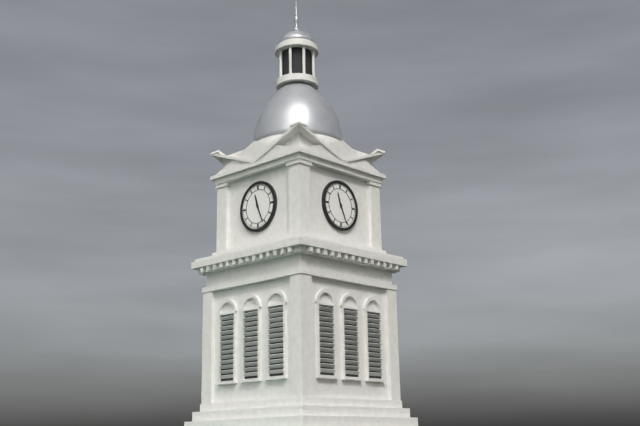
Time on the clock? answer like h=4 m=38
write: h=11 m=26
